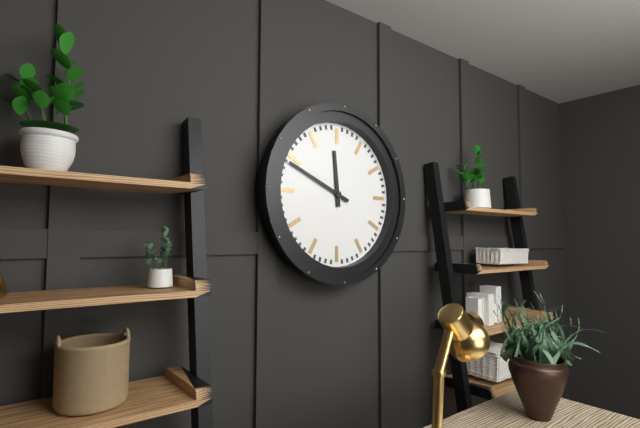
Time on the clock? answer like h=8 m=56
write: h=11 m=49
